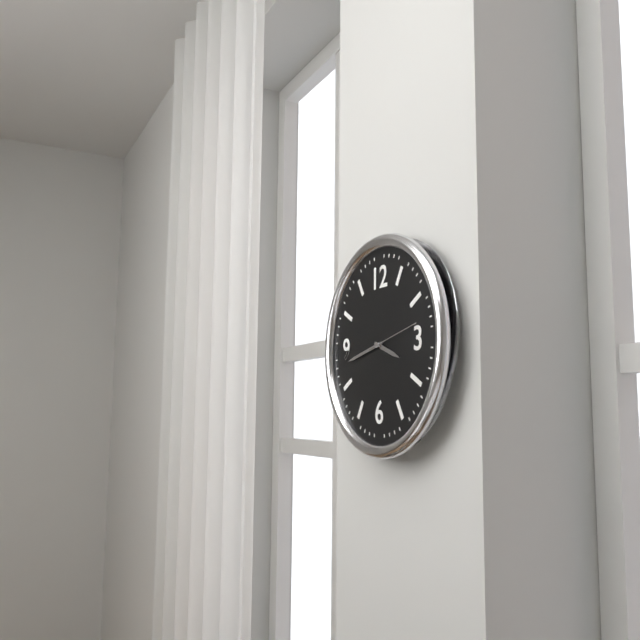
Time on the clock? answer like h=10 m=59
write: h=3 m=43
